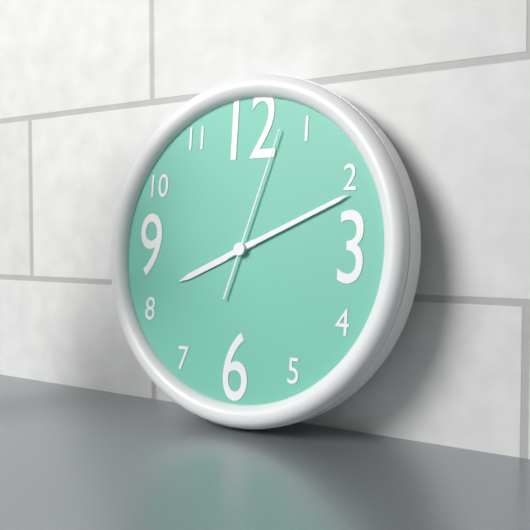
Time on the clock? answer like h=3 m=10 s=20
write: h=8 m=11 s=3
